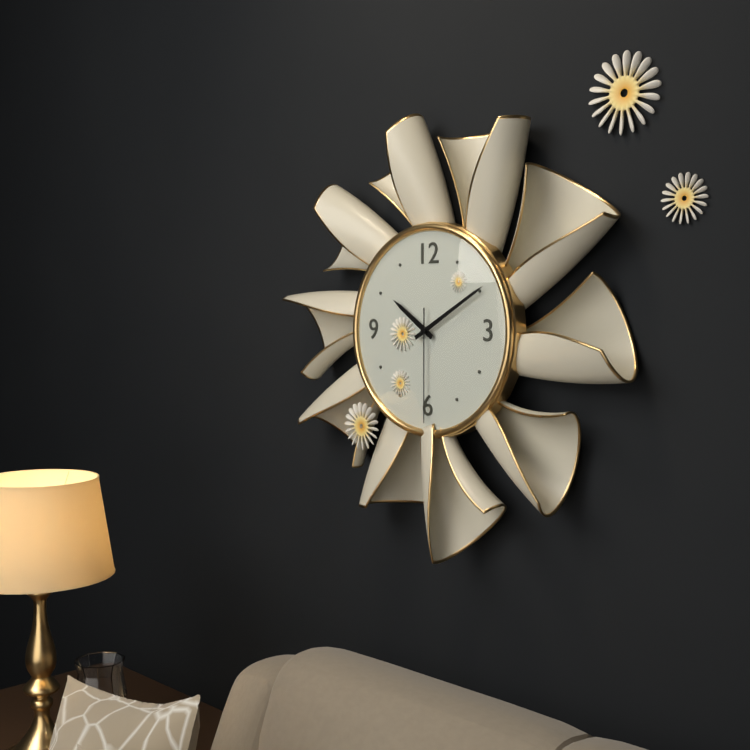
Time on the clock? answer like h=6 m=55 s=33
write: h=10 m=10 s=30
